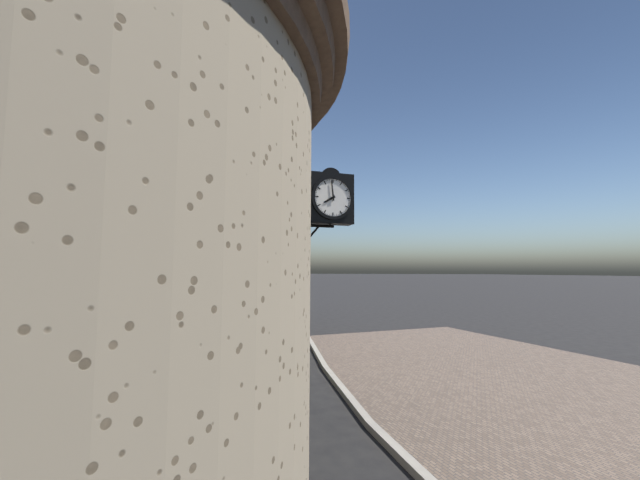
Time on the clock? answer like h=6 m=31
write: h=7 m=59
